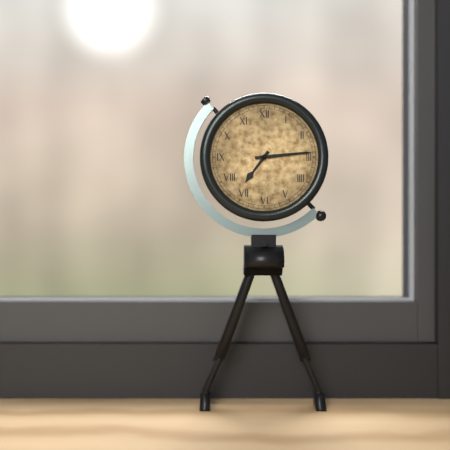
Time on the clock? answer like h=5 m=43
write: h=7 m=14
